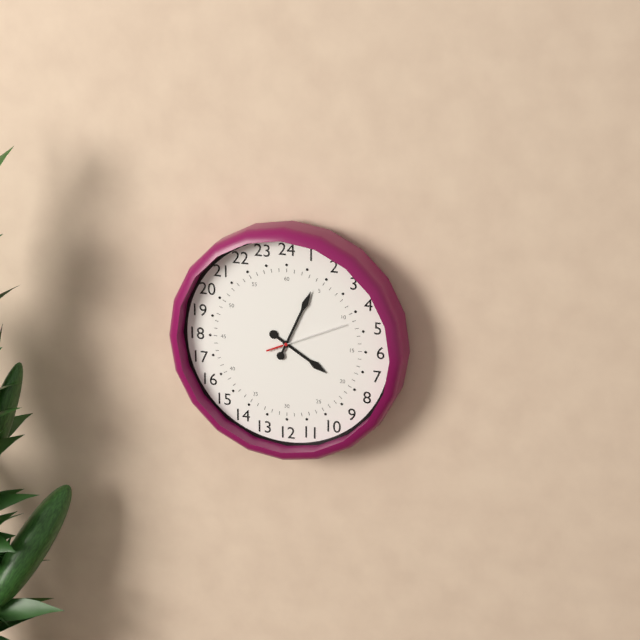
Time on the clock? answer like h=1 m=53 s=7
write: h=4 m=4 s=11
